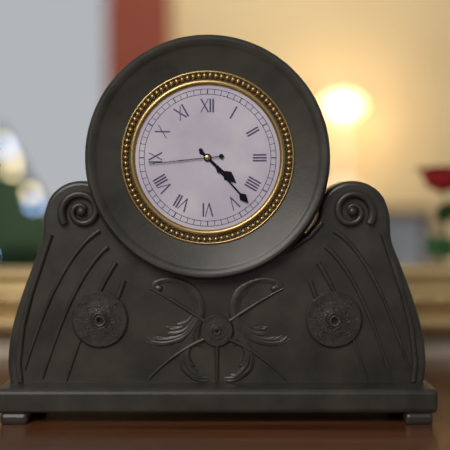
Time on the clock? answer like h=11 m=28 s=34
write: h=4 m=23 s=44
